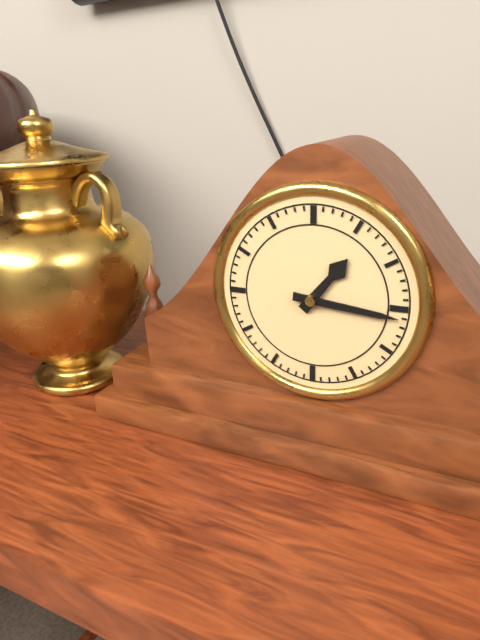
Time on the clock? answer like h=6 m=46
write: h=1 m=16
